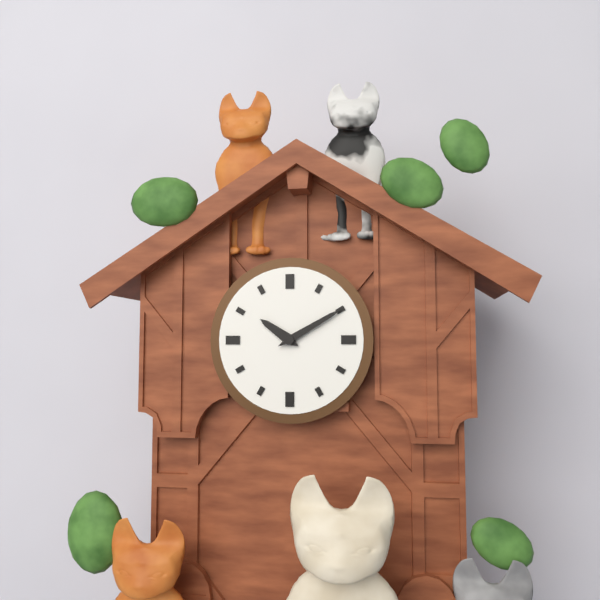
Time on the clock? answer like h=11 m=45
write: h=10 m=10
